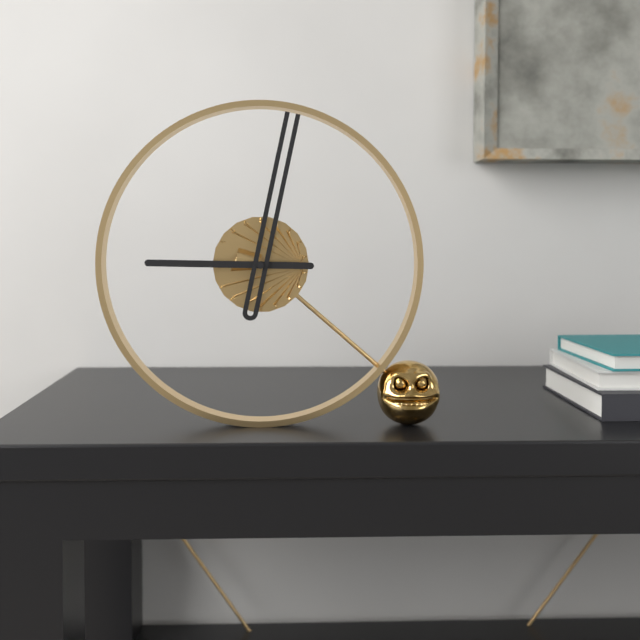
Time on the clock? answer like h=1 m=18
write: h=9 m=2
